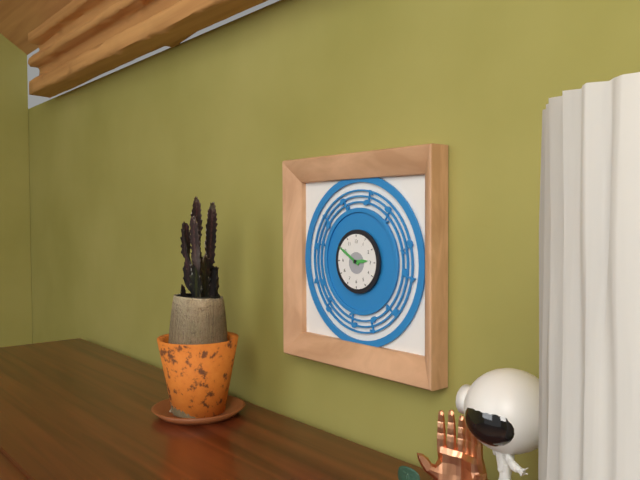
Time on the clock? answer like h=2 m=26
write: h=2 m=50
